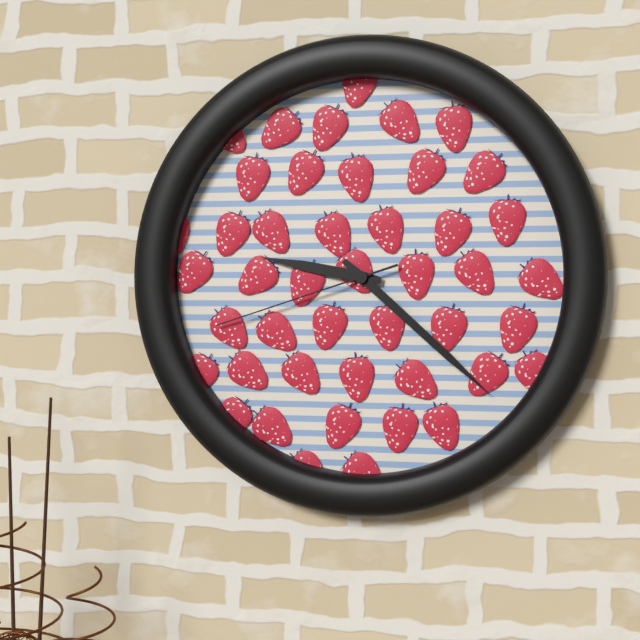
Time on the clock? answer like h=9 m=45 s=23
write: h=9 m=22 s=42
